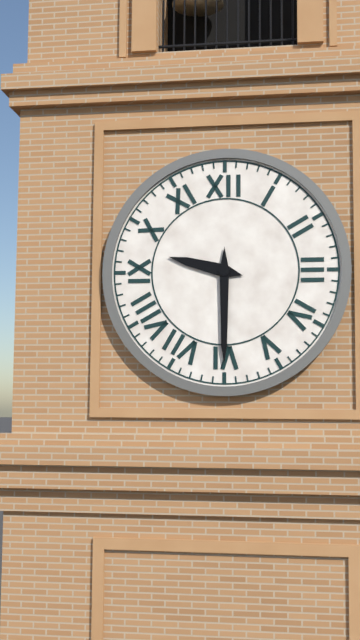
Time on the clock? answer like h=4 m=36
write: h=9 m=30
